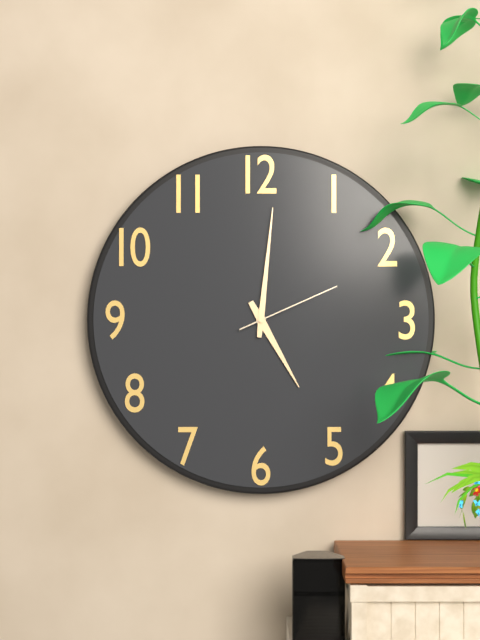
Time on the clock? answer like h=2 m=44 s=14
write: h=5 m=1 s=11
